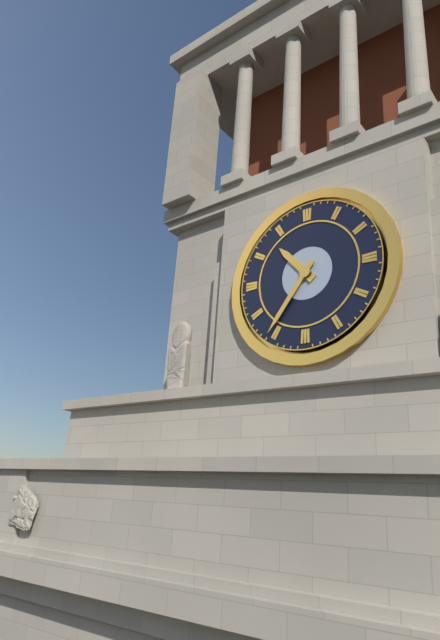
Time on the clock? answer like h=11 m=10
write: h=10 m=36
